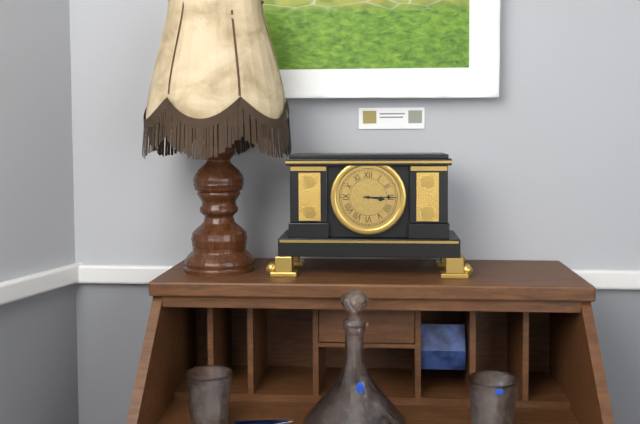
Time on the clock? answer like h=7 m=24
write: h=3 m=15
